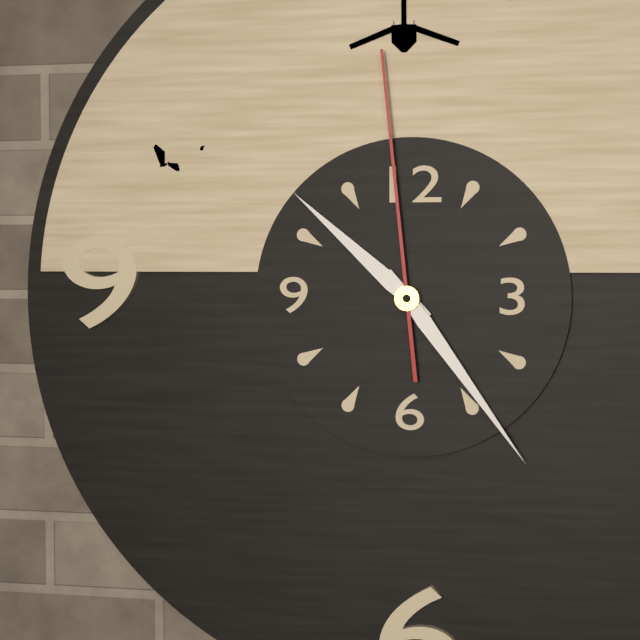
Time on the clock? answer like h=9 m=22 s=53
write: h=10 m=24 s=59
